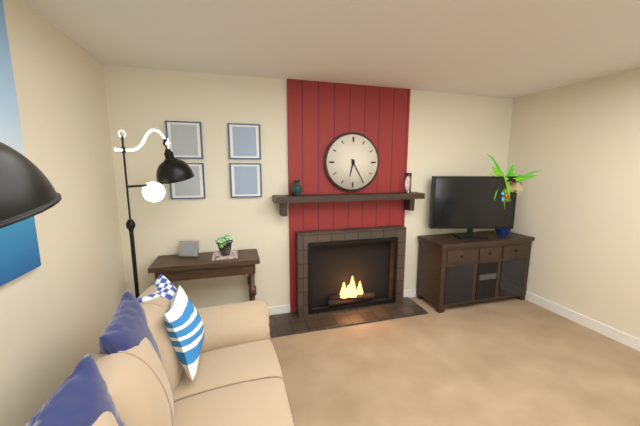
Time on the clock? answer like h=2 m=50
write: h=6 m=25
